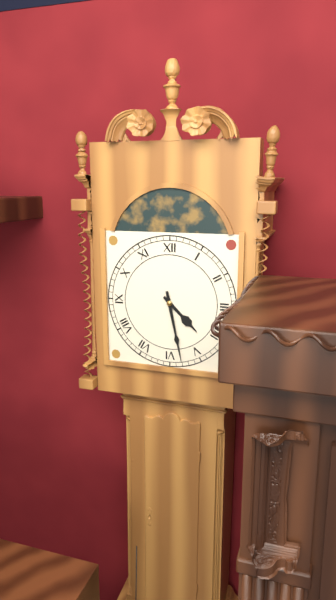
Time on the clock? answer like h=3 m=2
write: h=4 m=28
